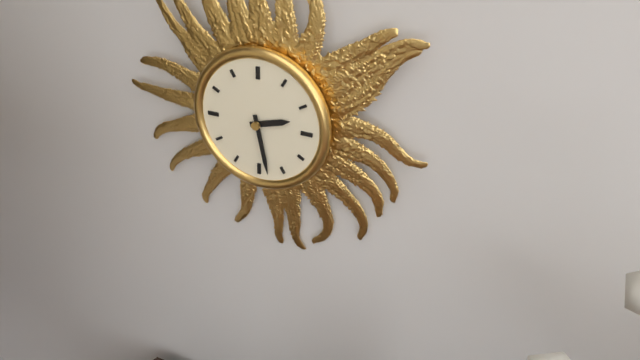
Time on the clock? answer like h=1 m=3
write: h=2 m=28
